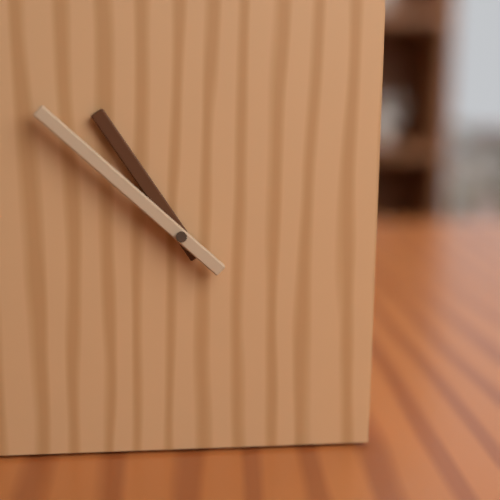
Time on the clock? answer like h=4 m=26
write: h=10 m=52
